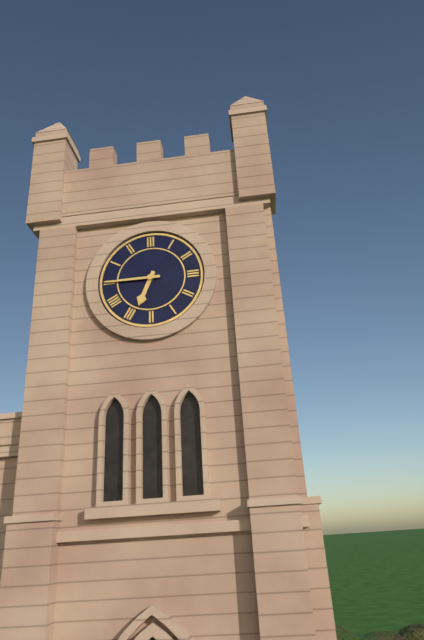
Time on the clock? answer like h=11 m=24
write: h=6 m=45
